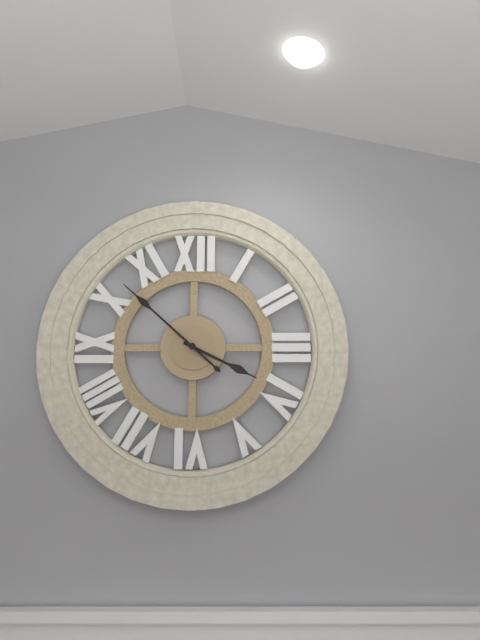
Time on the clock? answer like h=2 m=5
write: h=3 m=52
